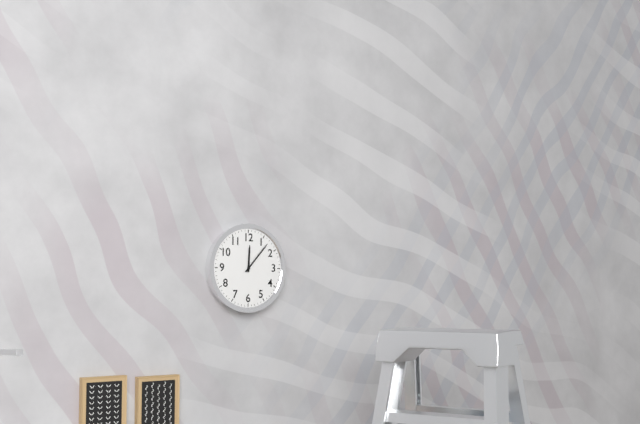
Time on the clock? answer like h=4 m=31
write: h=12 m=7
